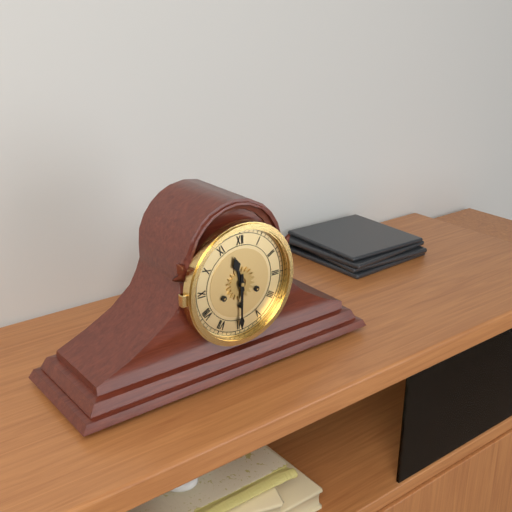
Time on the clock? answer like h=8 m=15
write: h=11 m=30
